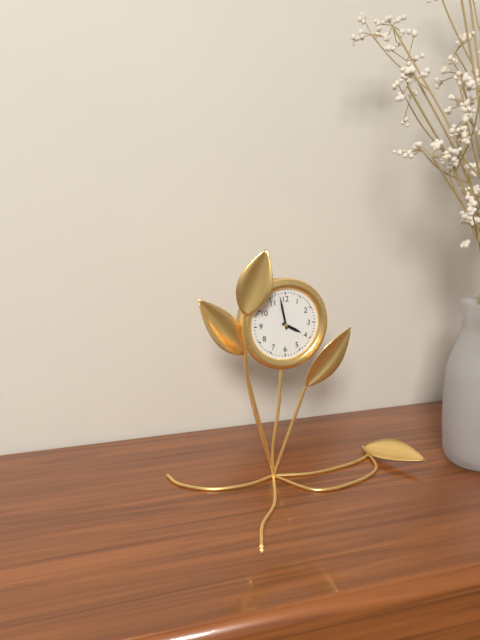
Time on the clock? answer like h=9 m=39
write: h=3 m=58
